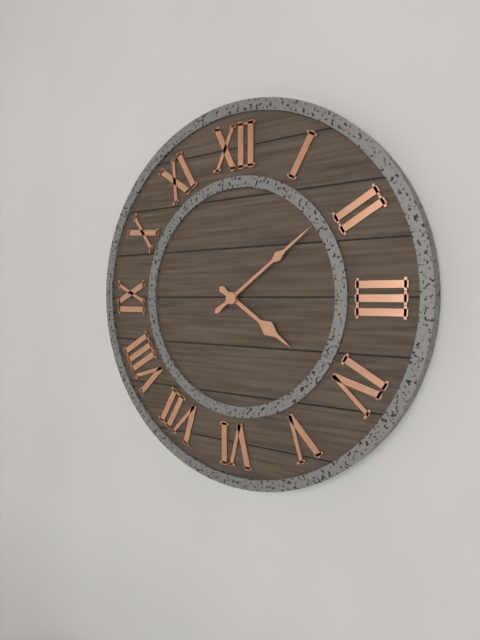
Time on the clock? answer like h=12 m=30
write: h=4 m=9
